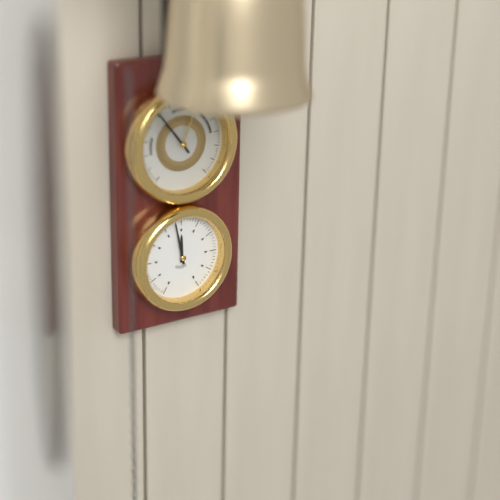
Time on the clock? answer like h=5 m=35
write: h=11 m=58
